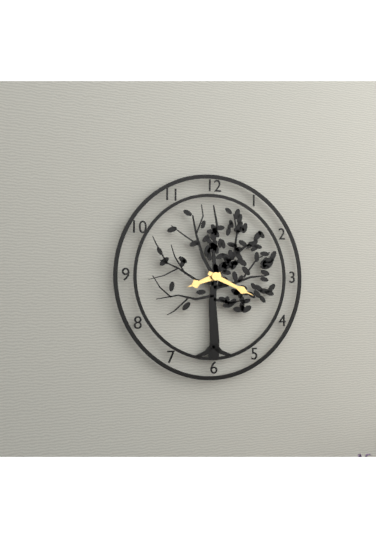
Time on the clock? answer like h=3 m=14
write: h=8 m=19
